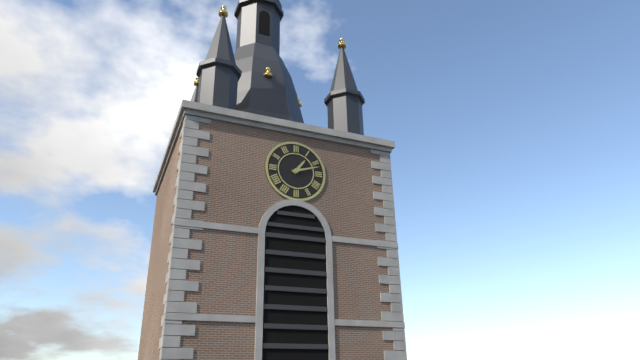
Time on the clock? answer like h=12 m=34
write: h=1 m=12
